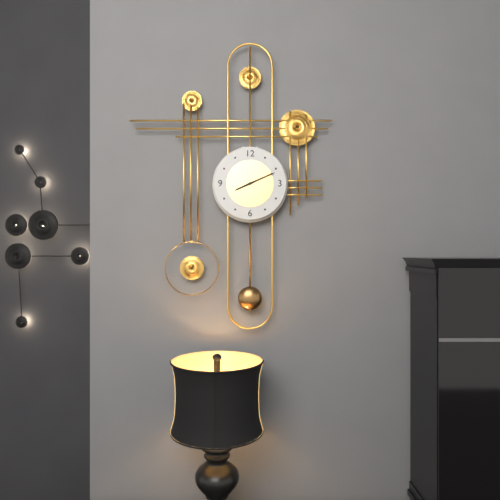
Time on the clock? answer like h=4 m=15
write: h=8 m=11
